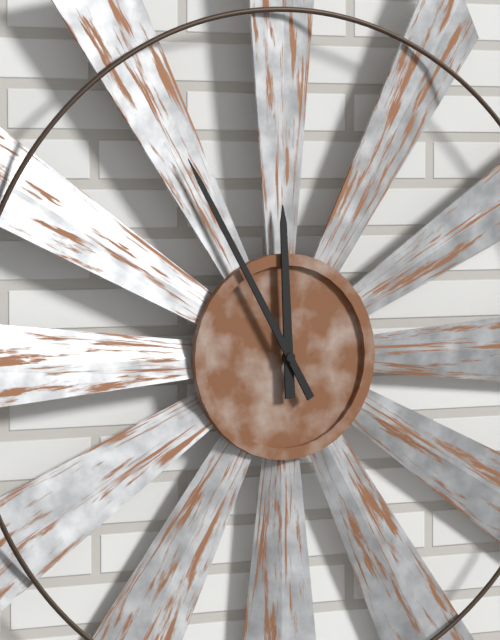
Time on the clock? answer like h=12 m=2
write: h=11 m=55
